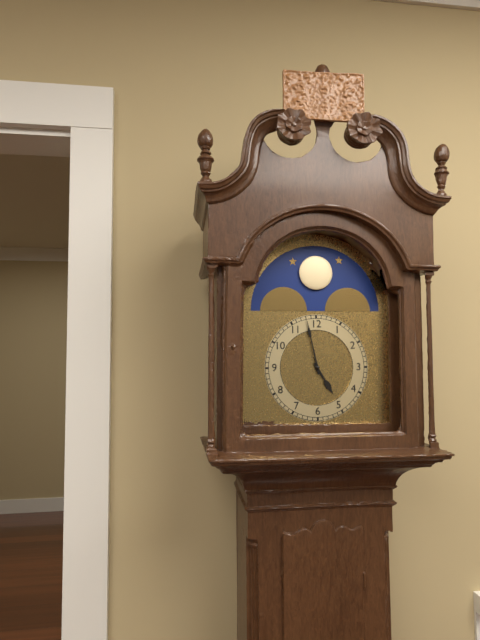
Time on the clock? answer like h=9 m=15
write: h=4 m=58
